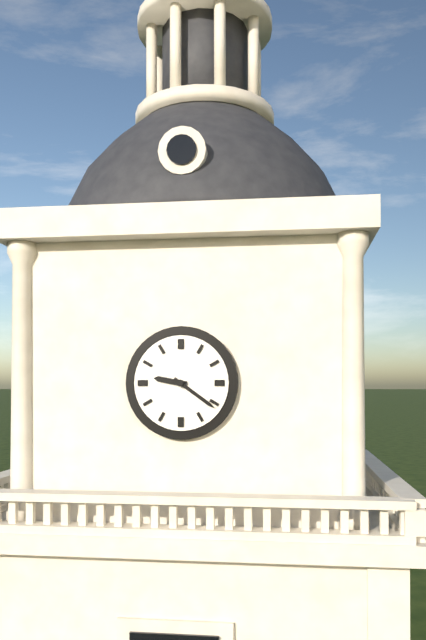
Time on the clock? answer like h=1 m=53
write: h=9 m=21
